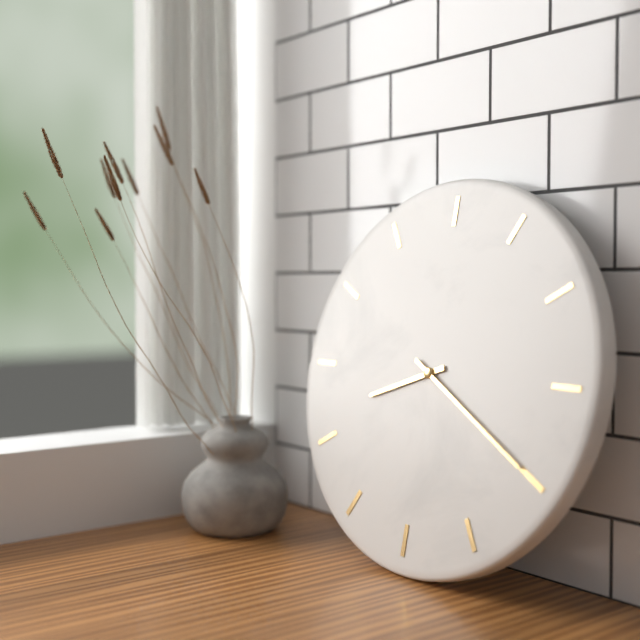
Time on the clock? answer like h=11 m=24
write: h=8 m=20
